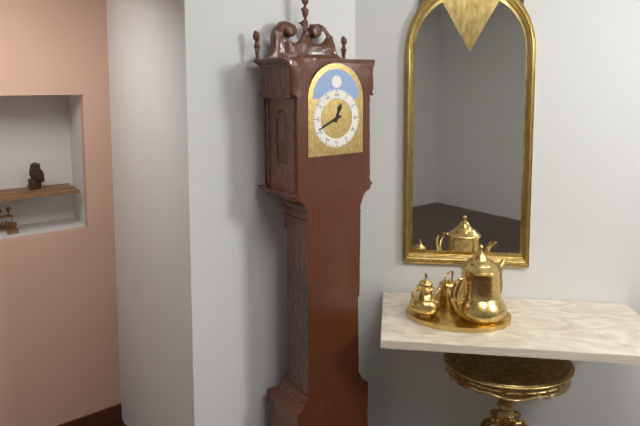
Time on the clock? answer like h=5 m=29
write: h=12 m=41
